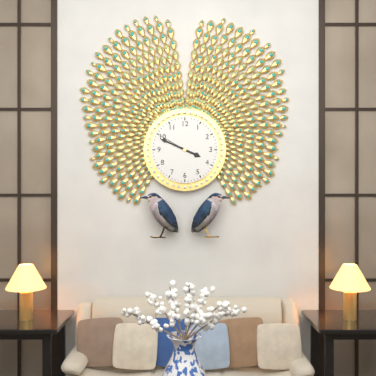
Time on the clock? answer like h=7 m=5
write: h=3 m=49
